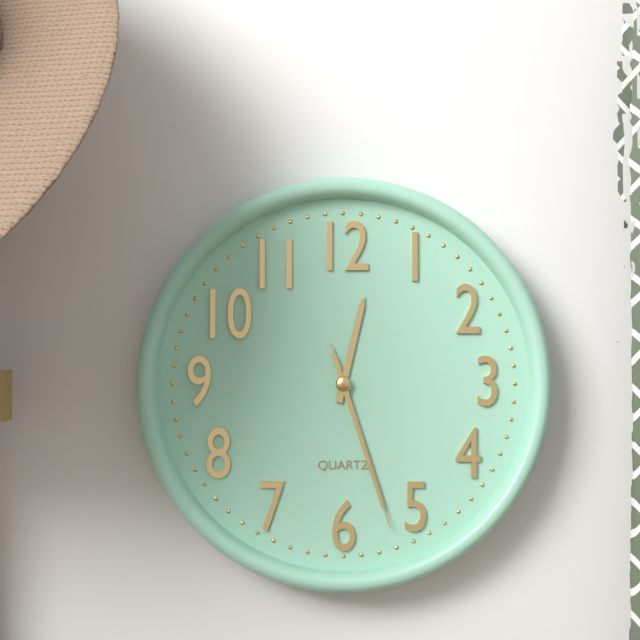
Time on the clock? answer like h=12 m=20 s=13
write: h=12 m=27 s=27
